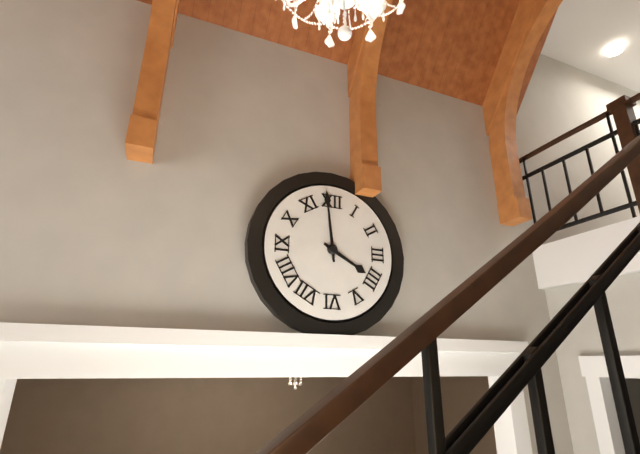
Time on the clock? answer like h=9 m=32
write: h=3 m=59
